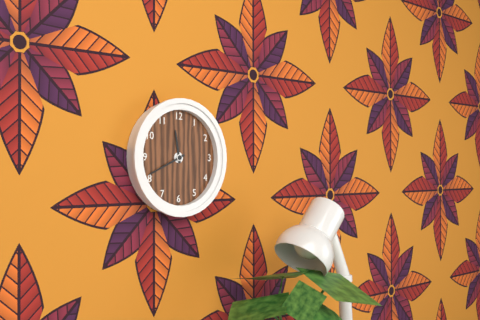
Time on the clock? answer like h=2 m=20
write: h=11 m=41
